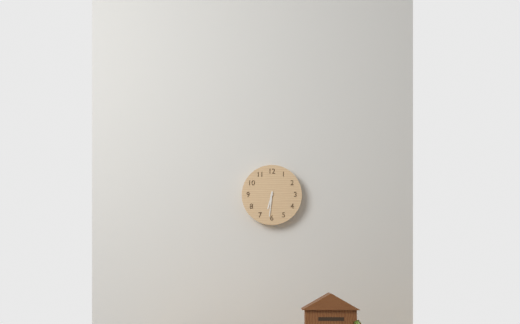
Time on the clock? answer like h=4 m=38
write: h=6 m=31
